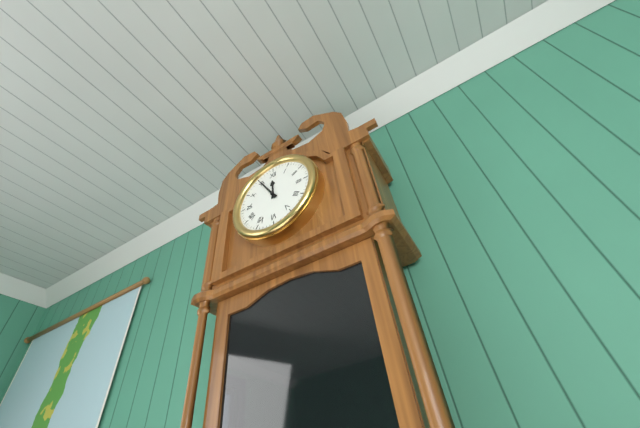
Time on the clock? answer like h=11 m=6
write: h=11 m=55
